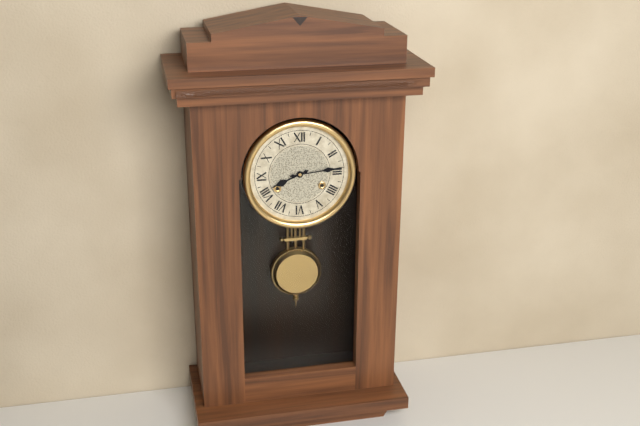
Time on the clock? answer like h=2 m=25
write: h=8 m=14
